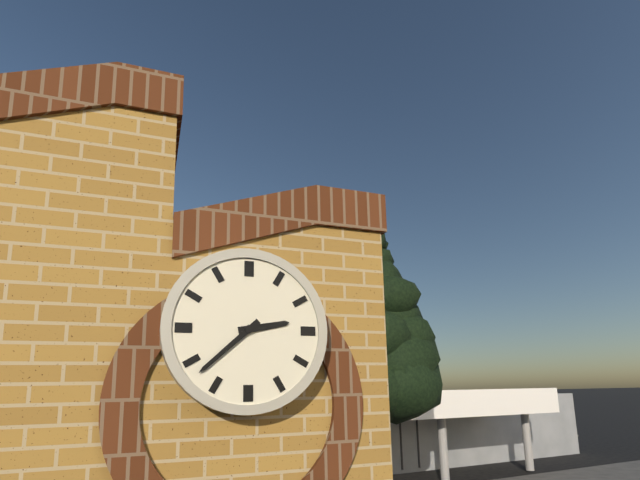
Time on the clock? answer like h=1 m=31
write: h=2 m=38
